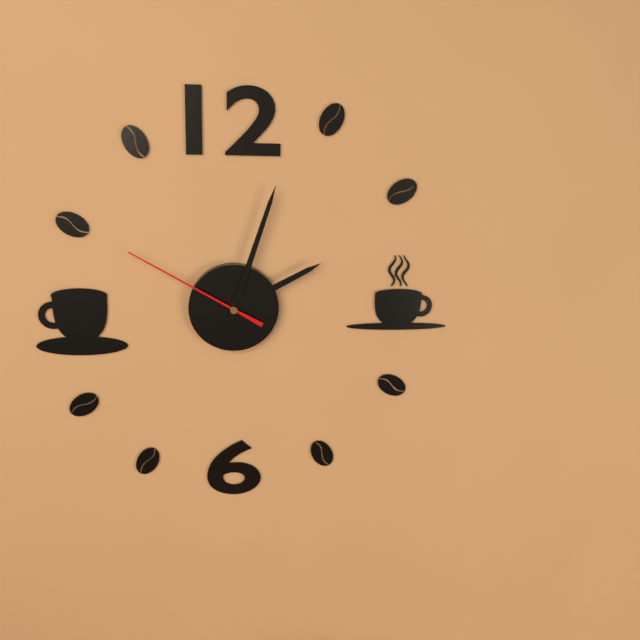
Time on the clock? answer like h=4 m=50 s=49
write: h=2 m=3 s=50
